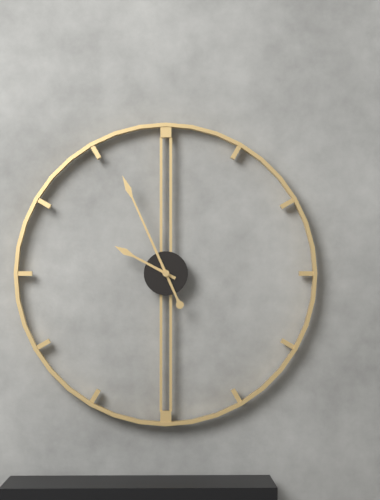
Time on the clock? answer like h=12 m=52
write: h=9 m=56
